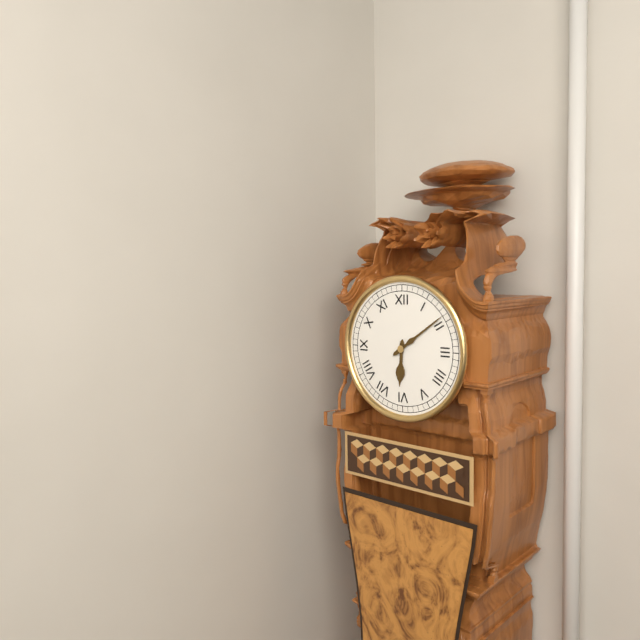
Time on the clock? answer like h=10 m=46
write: h=6 m=9
